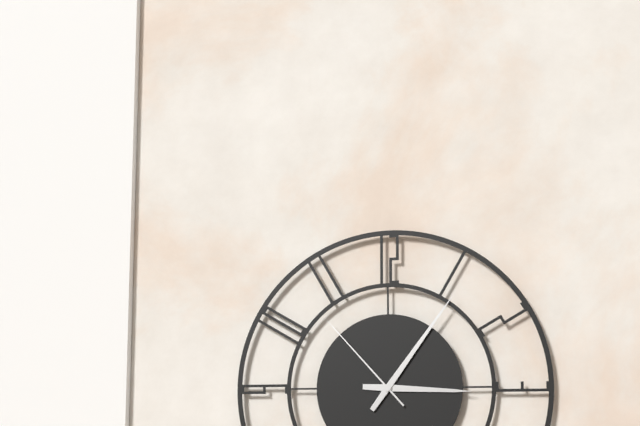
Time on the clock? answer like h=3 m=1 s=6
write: h=3 m=6 s=53
